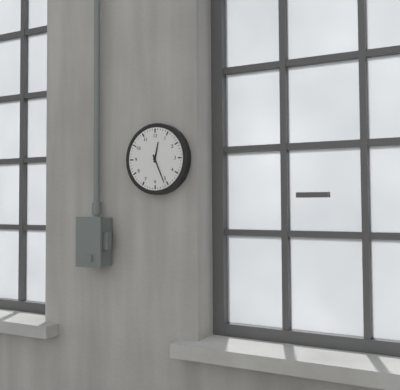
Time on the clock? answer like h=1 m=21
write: h=12 m=26
